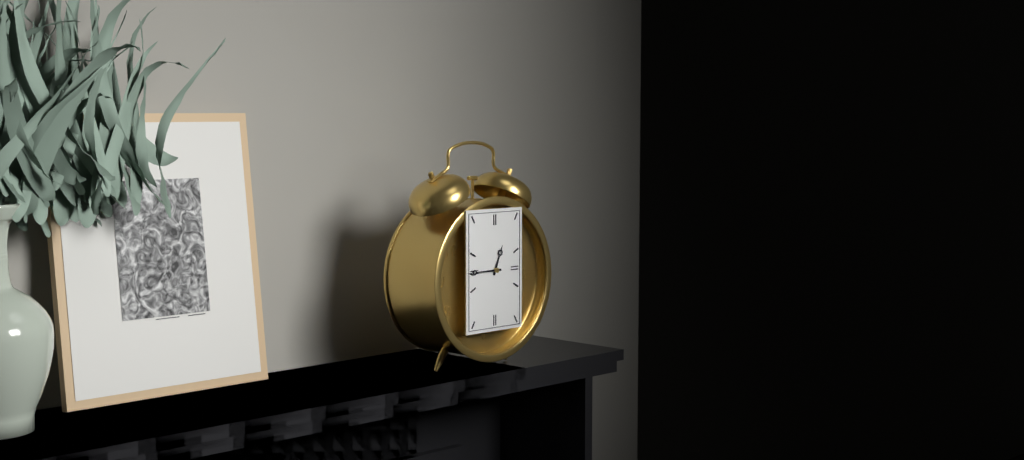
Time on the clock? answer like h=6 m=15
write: h=12 m=45
